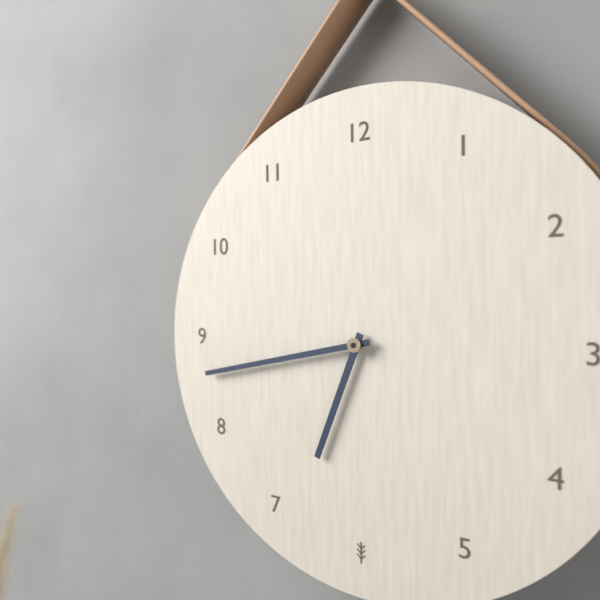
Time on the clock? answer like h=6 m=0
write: h=6 m=43
